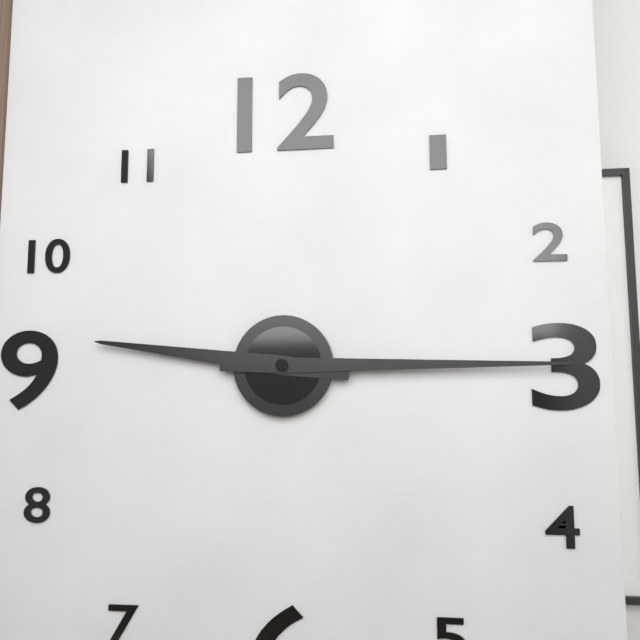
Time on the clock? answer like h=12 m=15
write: h=9 m=15
